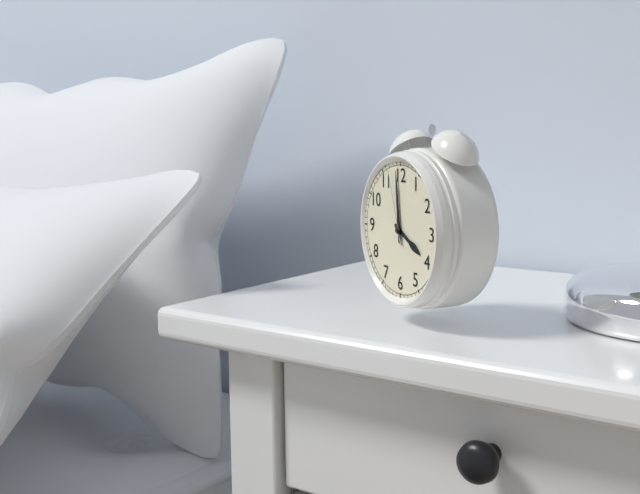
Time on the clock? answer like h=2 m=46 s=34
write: h=3 m=59 s=57
